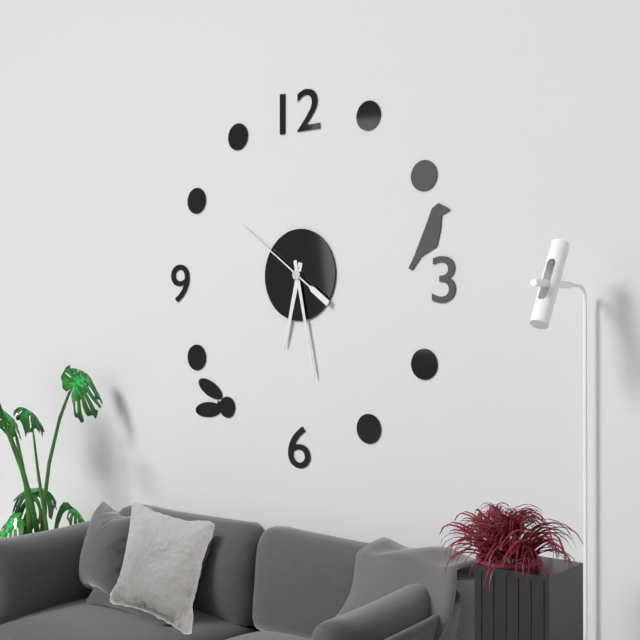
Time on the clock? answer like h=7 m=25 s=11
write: h=6 m=28 s=51
